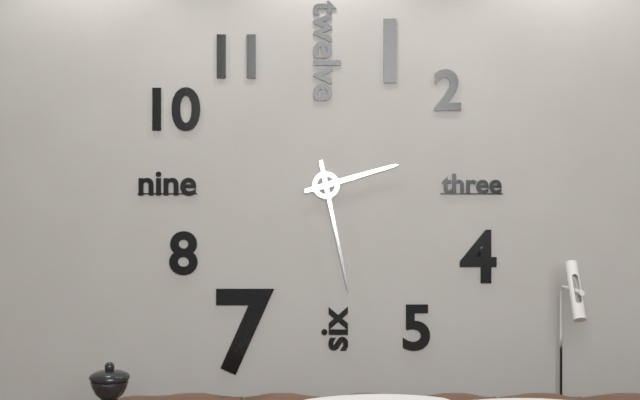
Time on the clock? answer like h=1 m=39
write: h=2 m=28
